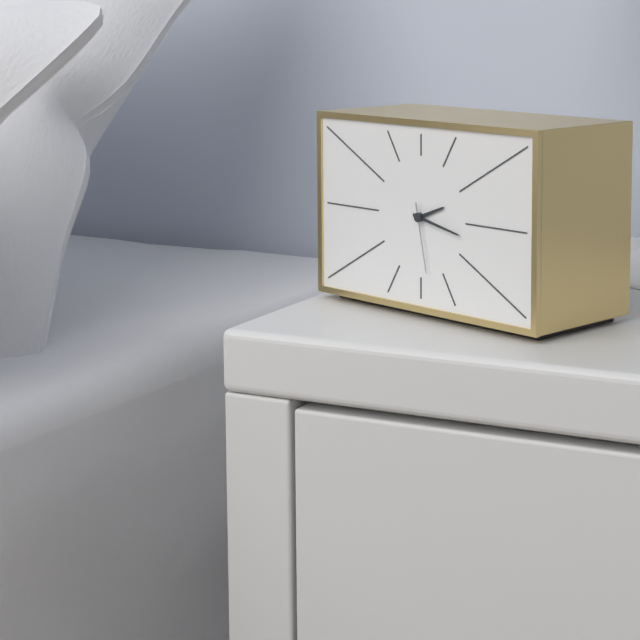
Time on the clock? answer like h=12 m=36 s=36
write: h=2 m=17 s=28
